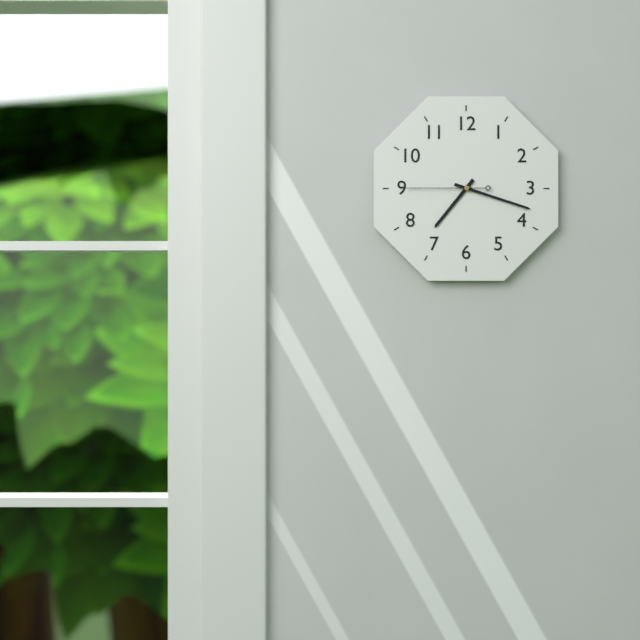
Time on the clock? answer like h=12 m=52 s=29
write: h=7 m=18 s=45
